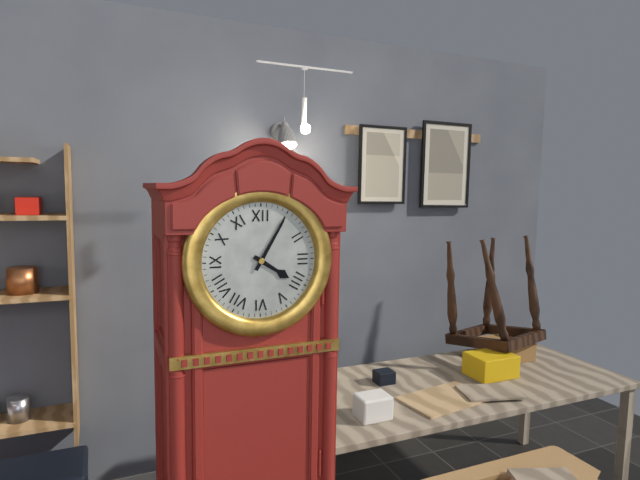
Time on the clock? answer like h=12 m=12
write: h=4 m=5
